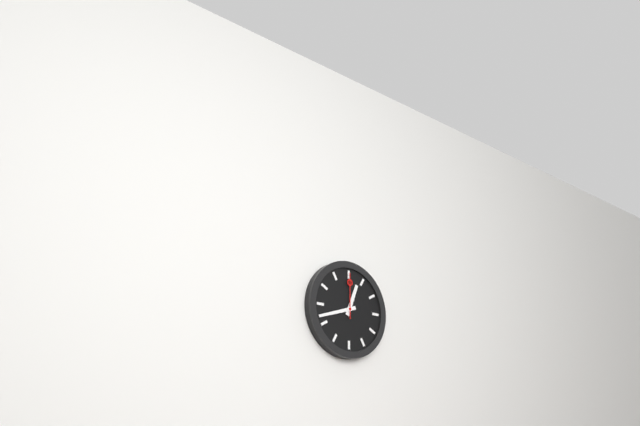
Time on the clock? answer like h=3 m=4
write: h=12 m=42
